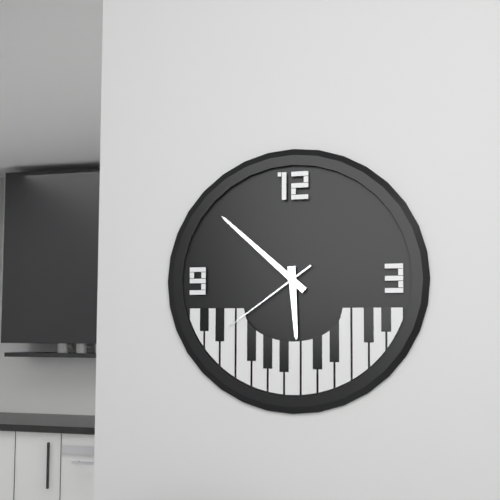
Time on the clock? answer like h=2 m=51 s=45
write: h=5 m=52 s=39
